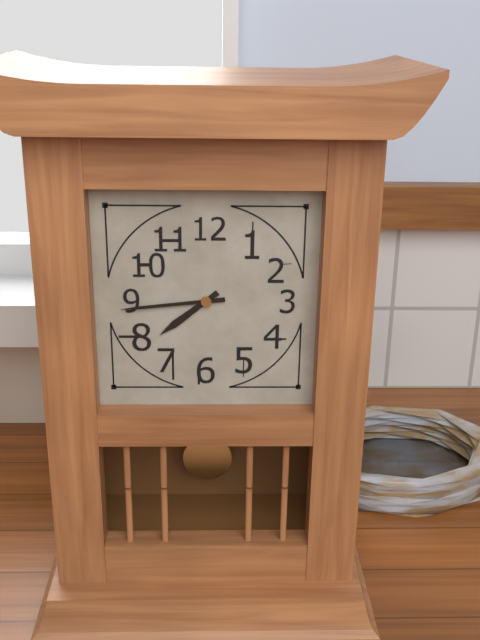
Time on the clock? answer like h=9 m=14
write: h=7 m=44
